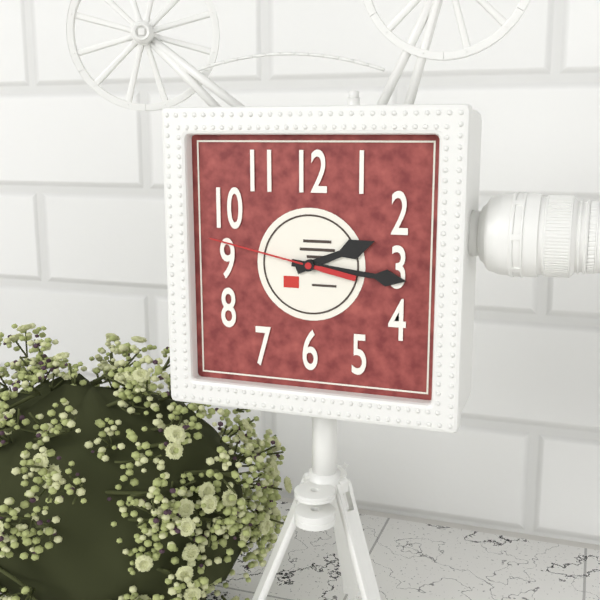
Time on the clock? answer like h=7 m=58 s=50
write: h=2 m=16 s=47
